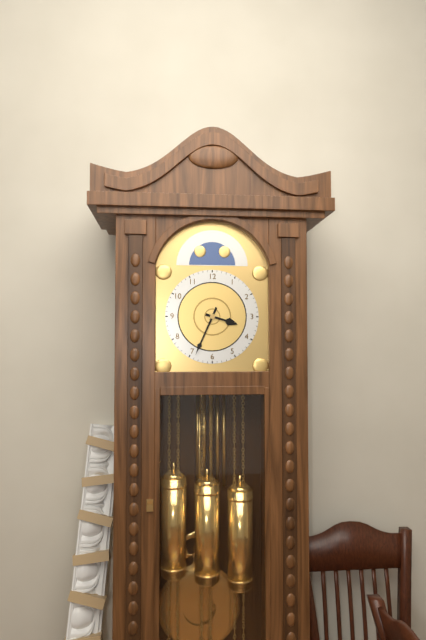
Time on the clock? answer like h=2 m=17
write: h=3 m=34
